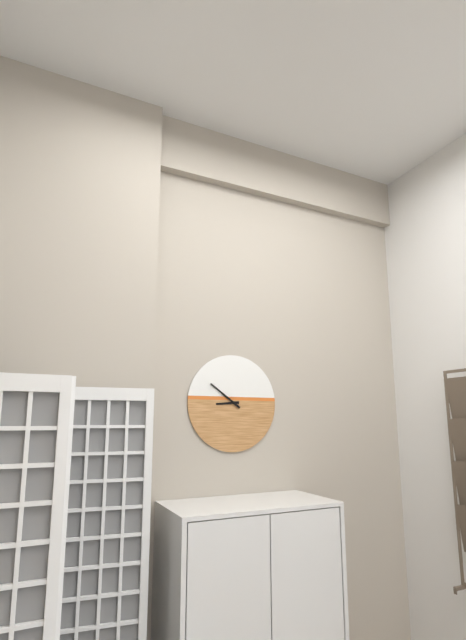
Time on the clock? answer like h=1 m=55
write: h=8 m=51
